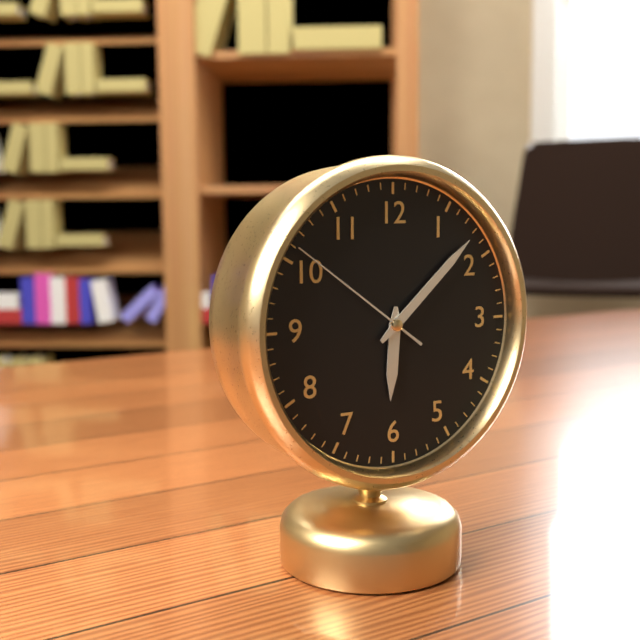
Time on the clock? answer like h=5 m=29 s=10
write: h=6 m=8 s=51
